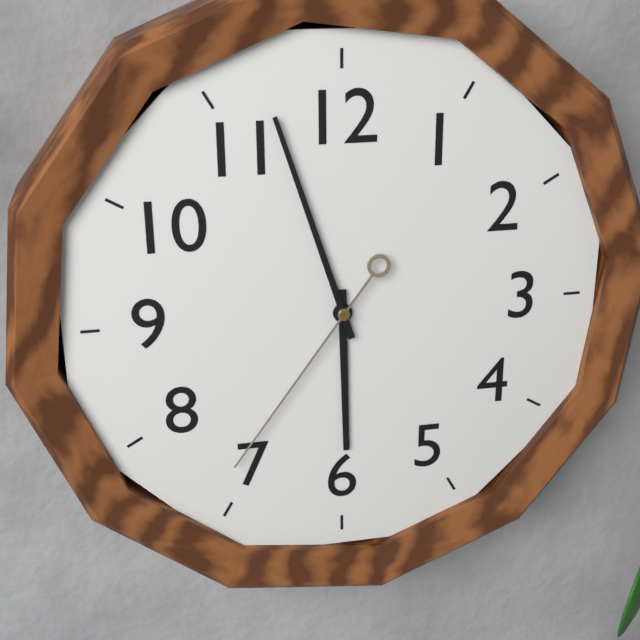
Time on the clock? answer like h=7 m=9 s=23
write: h=5 m=57 s=36
